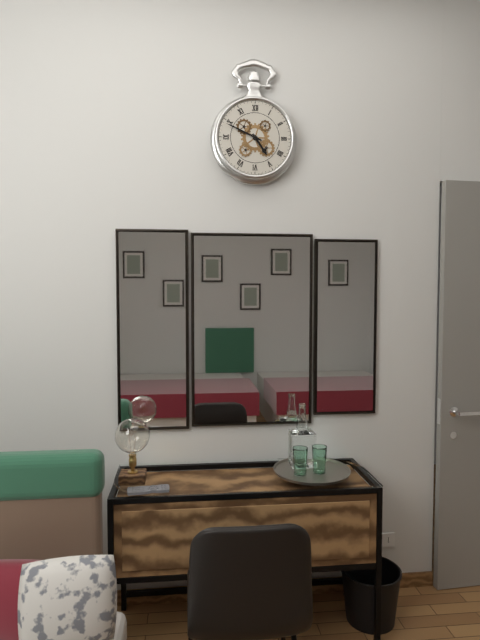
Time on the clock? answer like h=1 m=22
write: h=4 m=49
